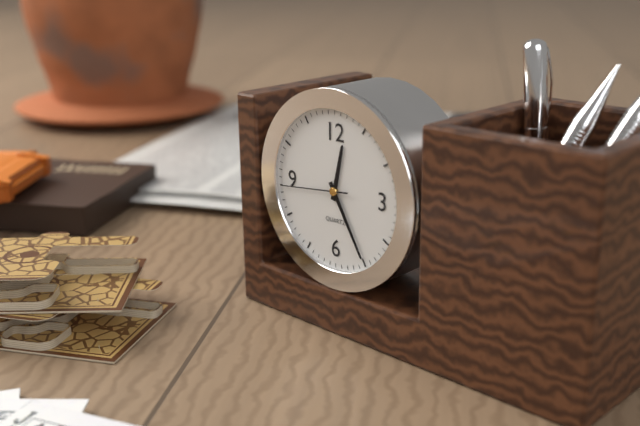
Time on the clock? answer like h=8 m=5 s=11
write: h=12 m=25 s=44
